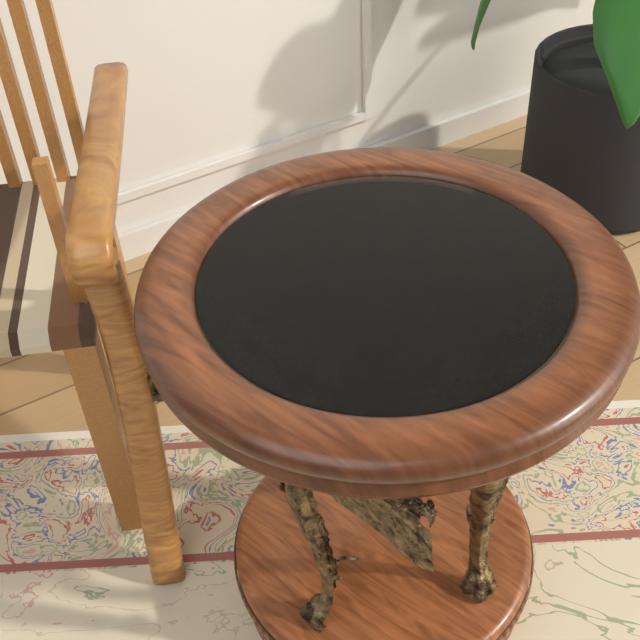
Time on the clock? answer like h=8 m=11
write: h=10 m=36
